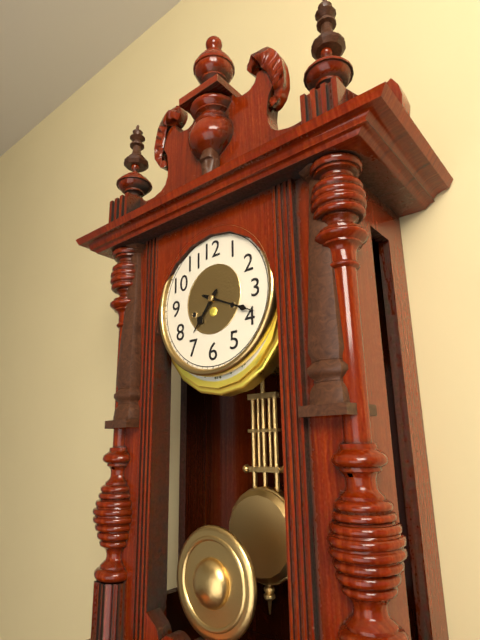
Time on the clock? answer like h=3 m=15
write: h=7 m=19
